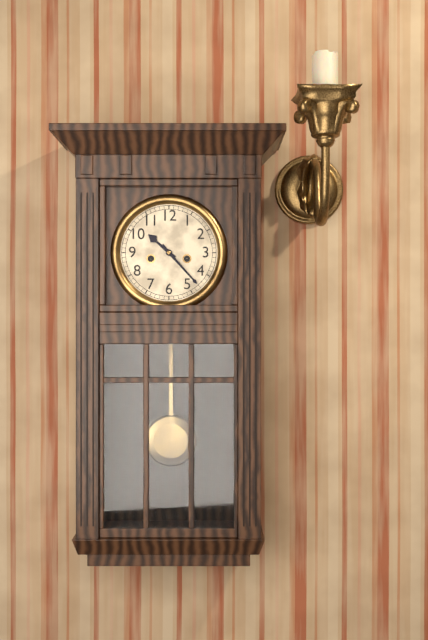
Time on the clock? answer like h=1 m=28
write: h=10 m=23
